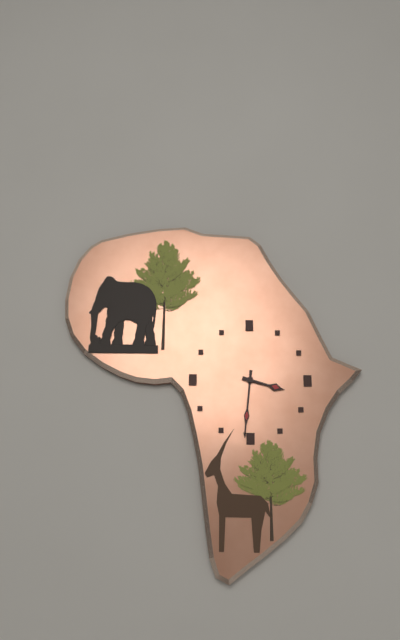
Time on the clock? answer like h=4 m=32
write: h=3 m=31
